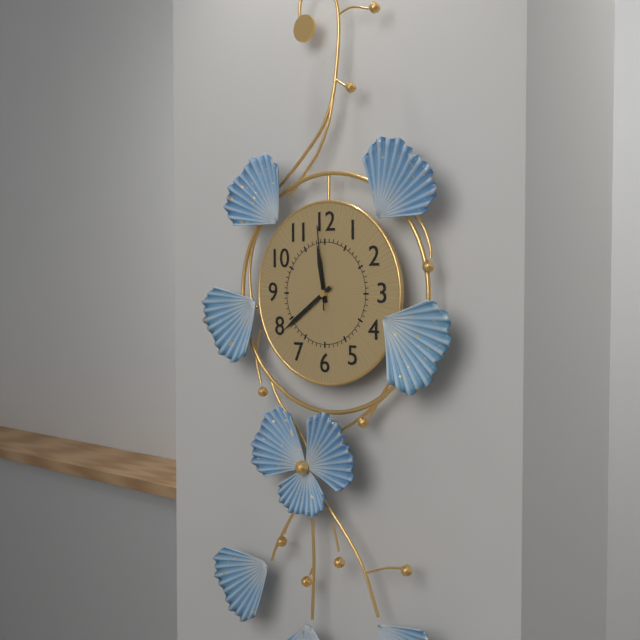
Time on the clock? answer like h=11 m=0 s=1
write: h=11 m=39 s=59
